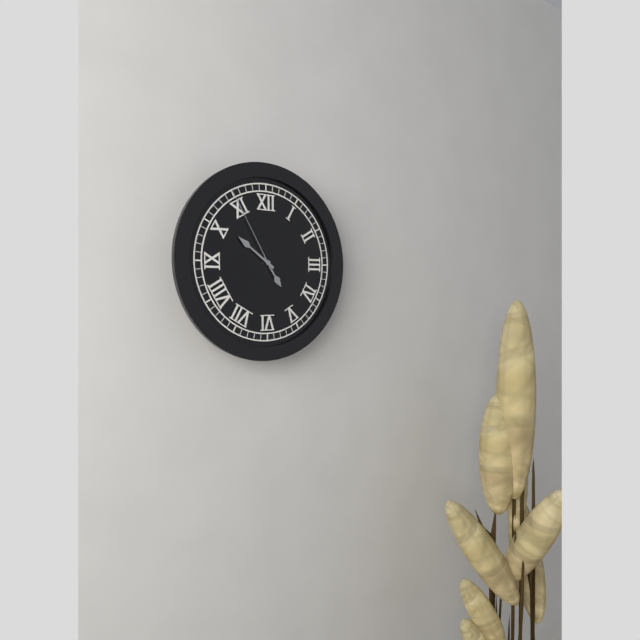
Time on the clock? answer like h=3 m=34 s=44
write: h=4 m=51 s=55
